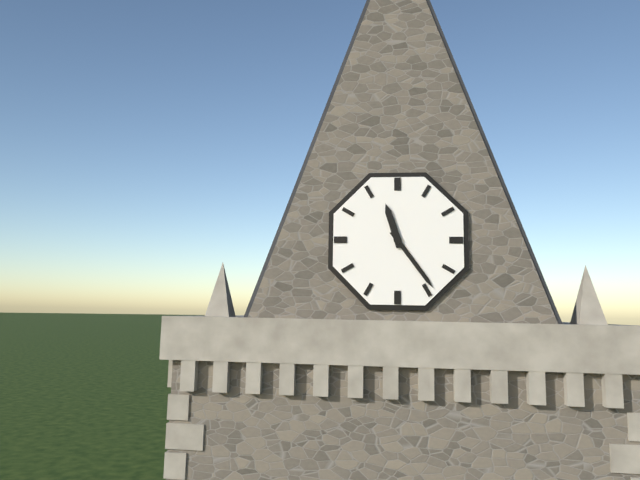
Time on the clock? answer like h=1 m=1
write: h=11 m=24
